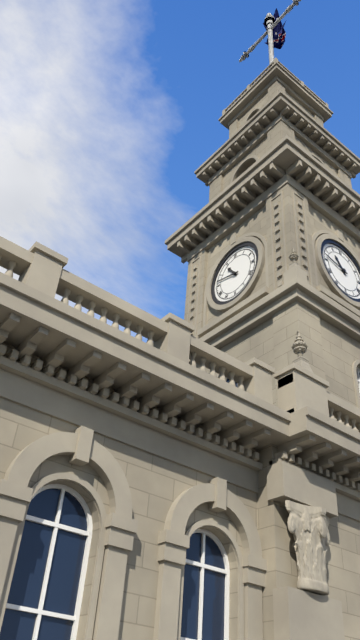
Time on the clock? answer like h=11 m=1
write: h=10 m=47
